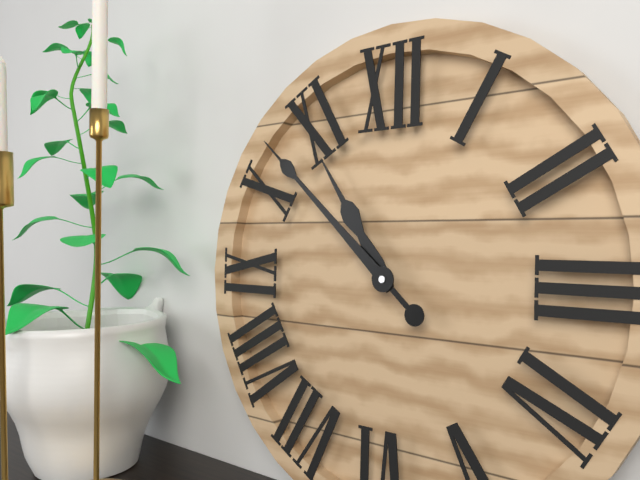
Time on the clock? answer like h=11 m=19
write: h=10 m=52
